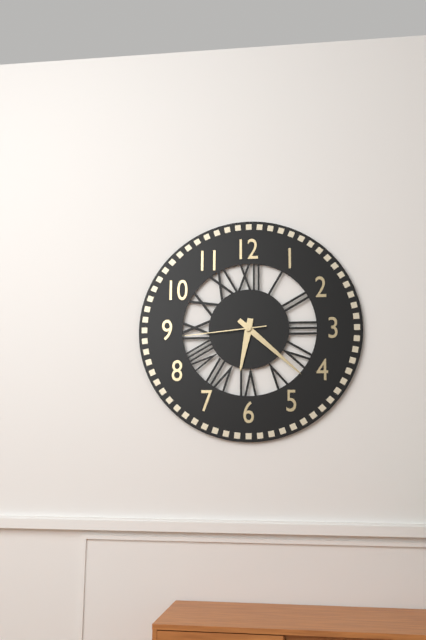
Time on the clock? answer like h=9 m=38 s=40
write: h=6 m=22 s=44
